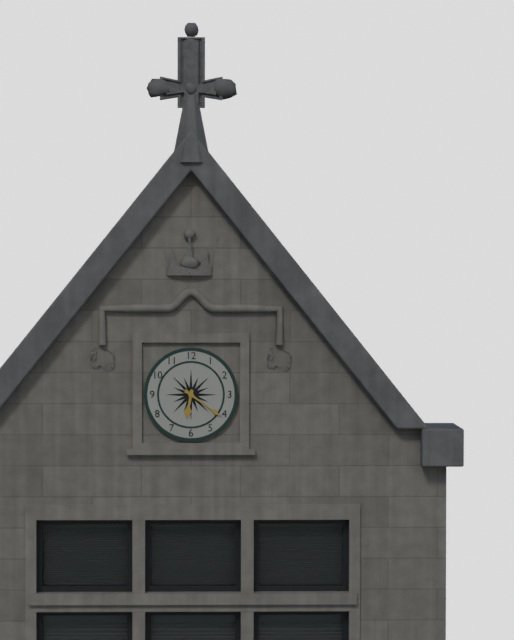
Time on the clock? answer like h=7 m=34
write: h=6 m=21
